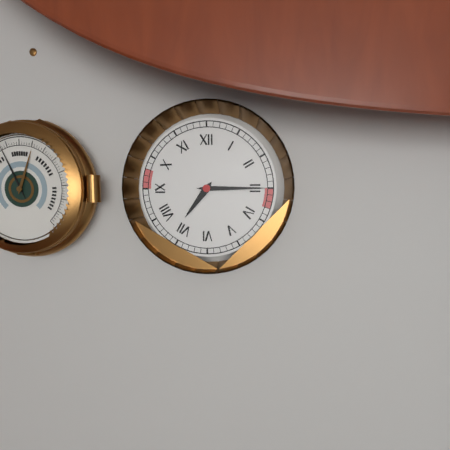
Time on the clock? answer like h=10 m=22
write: h=7 m=15
